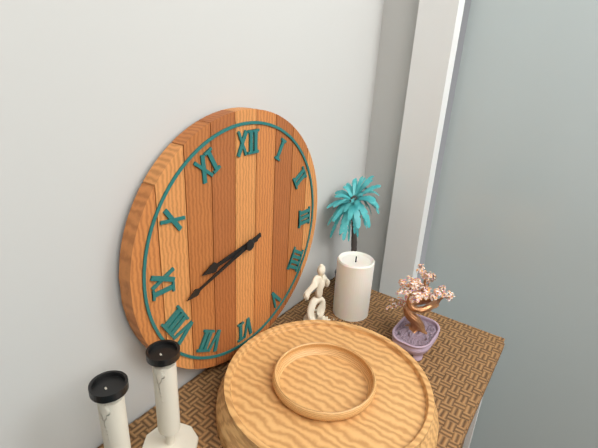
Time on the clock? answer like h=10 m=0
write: h=8 m=42
